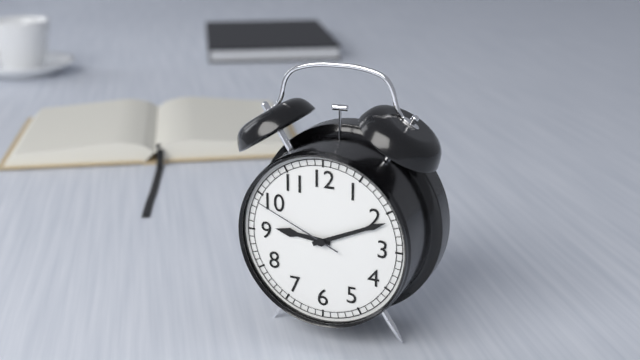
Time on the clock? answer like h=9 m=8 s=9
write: h=9 m=11 s=49
